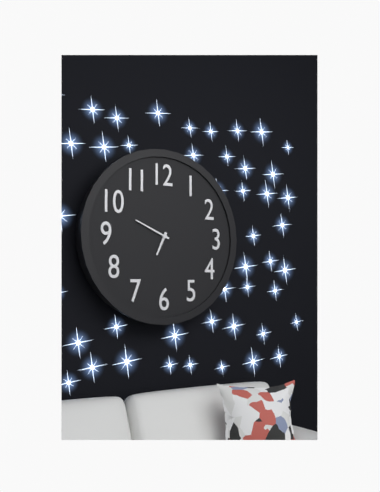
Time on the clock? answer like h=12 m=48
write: h=6 m=49
